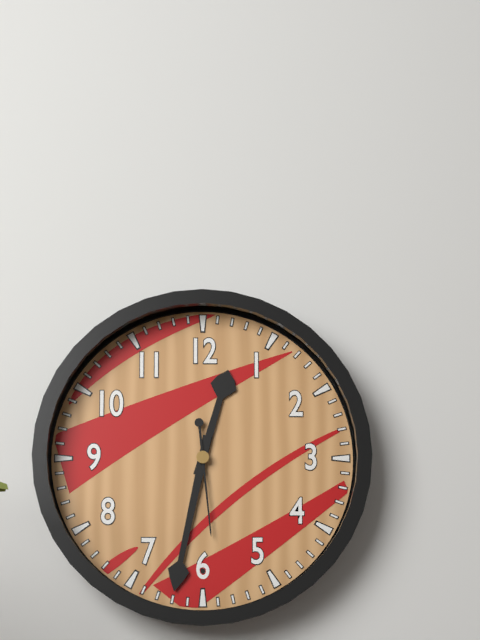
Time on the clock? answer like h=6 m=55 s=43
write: h=12 m=32 s=29
